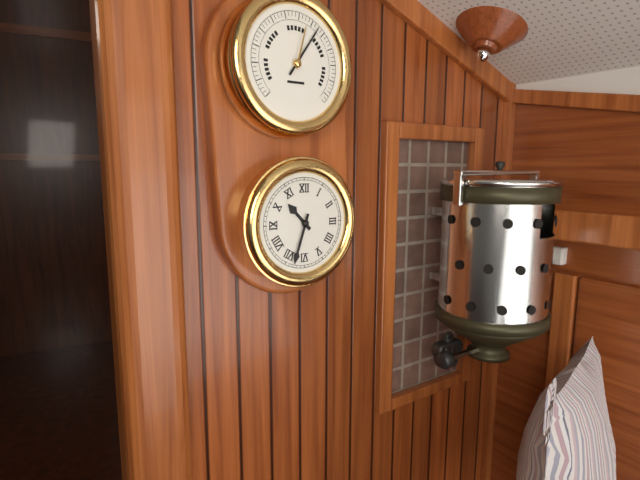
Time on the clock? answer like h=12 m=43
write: h=10 m=33
